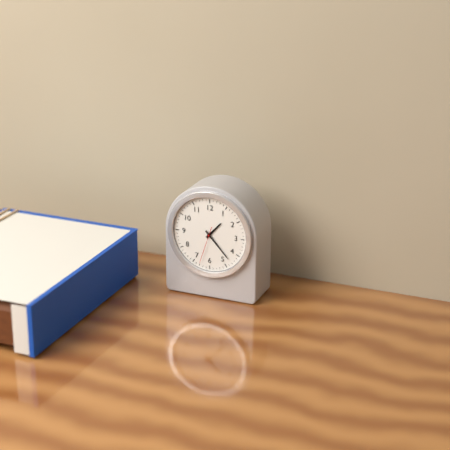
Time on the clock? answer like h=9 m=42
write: h=1 m=23
